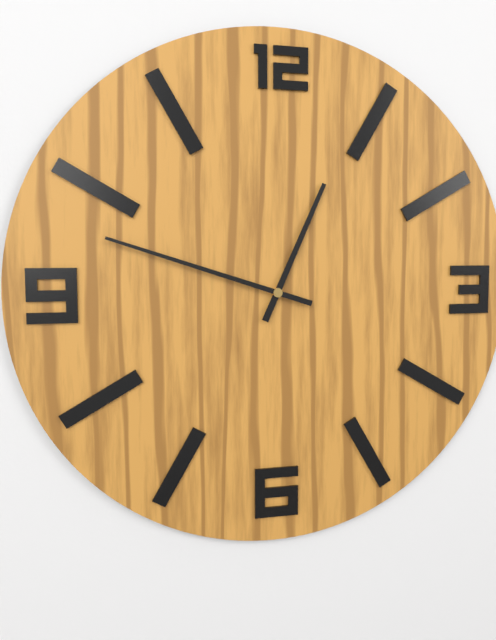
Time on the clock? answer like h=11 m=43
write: h=12 m=48
